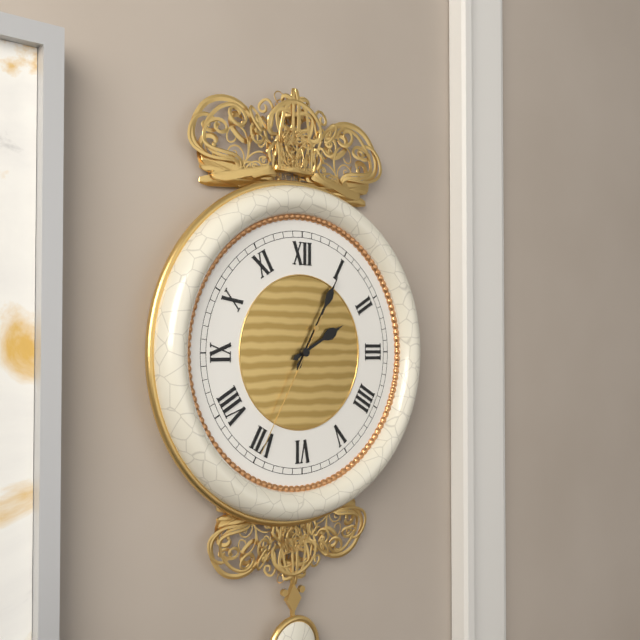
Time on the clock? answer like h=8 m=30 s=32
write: h=2 m=5 s=35
